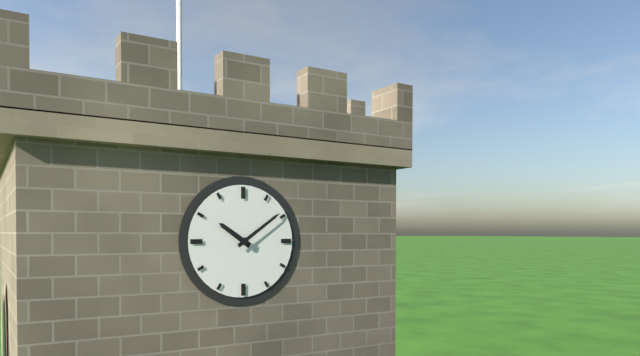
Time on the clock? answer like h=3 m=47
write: h=10 m=9
